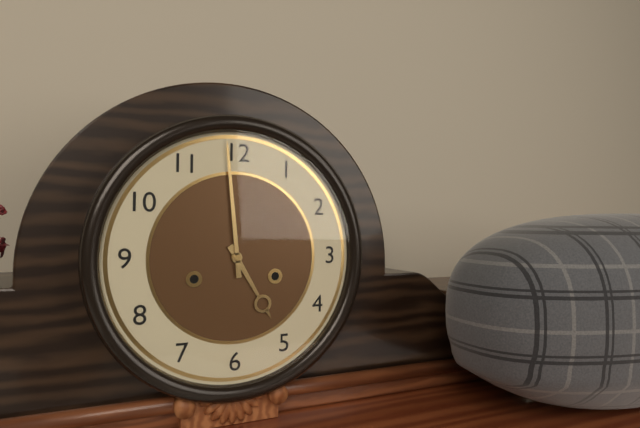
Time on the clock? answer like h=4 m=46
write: h=4 m=59
